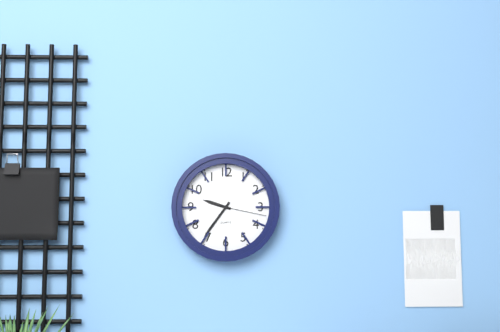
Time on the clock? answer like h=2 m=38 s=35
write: h=9 m=36 s=17
